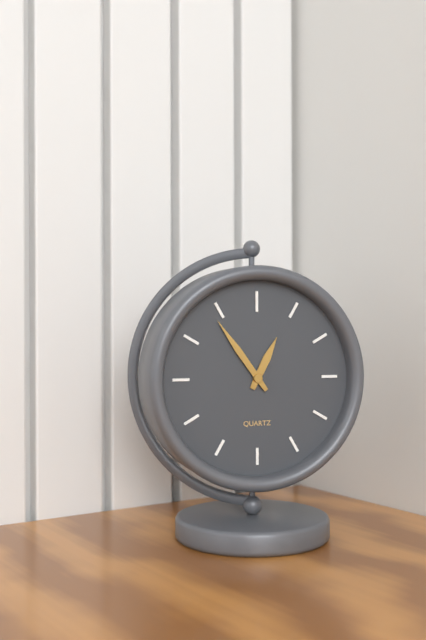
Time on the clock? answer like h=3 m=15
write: h=12 m=54
